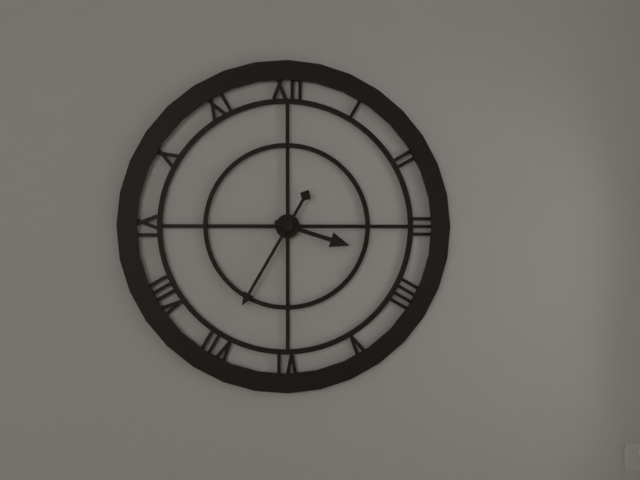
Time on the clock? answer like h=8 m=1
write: h=3 m=35
